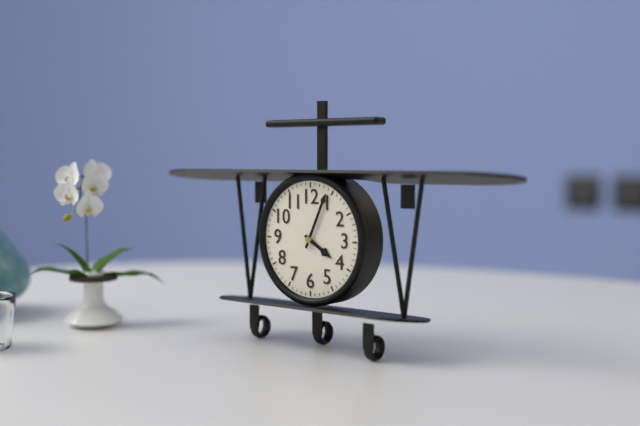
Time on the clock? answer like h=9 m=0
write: h=4 m=4
